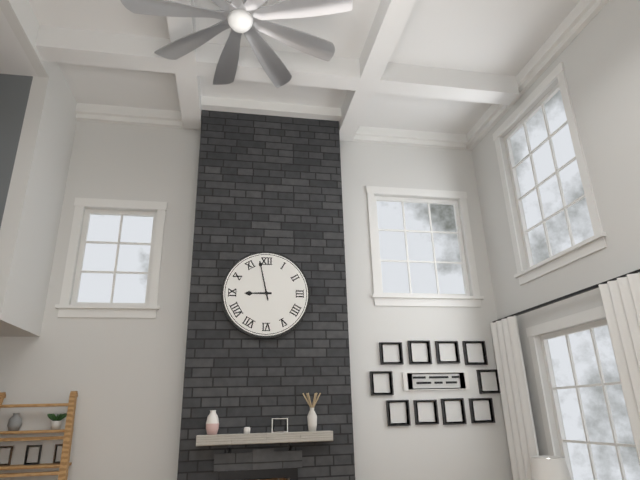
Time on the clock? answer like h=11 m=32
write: h=8 m=58
